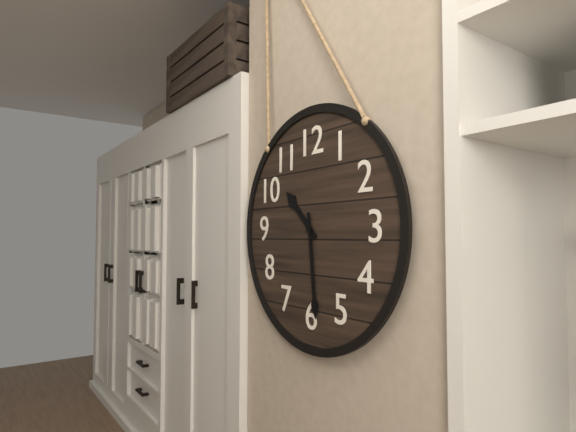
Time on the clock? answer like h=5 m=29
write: h=10 m=29
